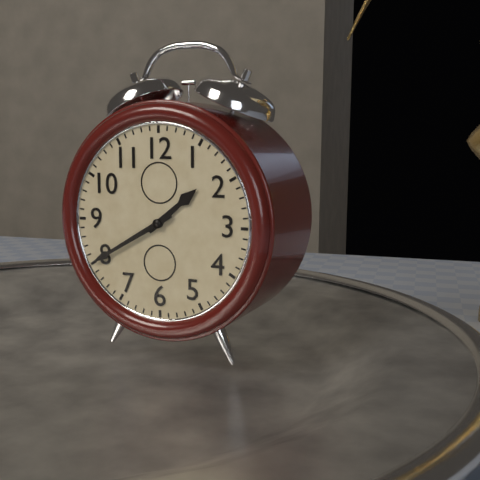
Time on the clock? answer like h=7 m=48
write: h=1 m=40
